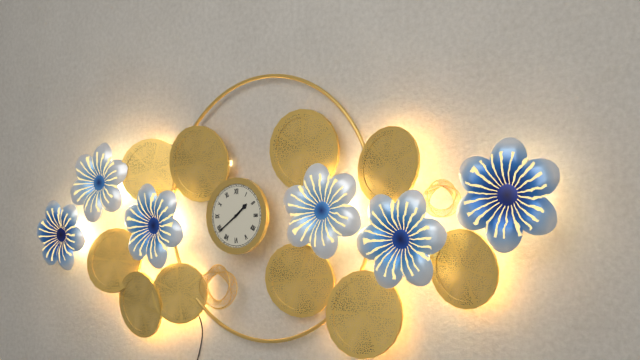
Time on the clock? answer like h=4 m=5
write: h=1 m=39
